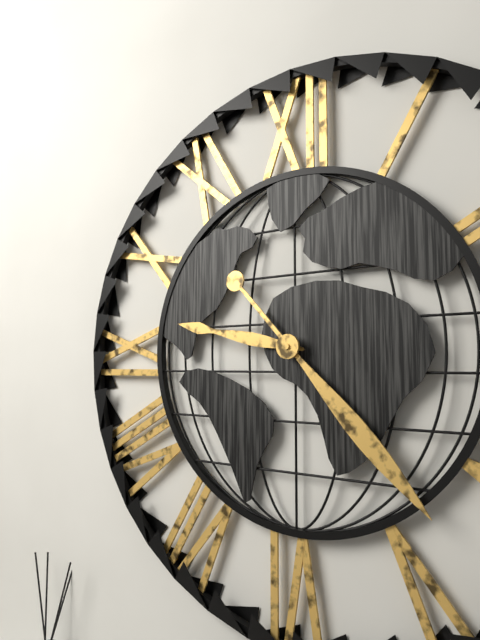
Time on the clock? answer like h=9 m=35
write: h=9 m=23
